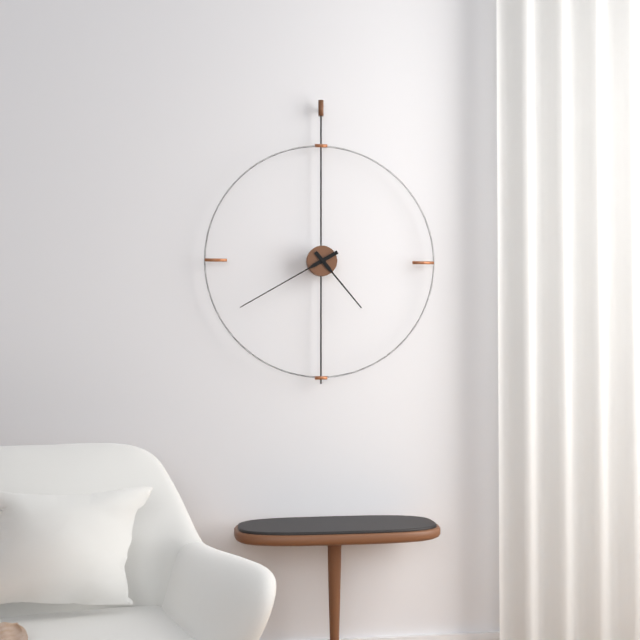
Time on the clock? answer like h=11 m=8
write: h=4 m=40
